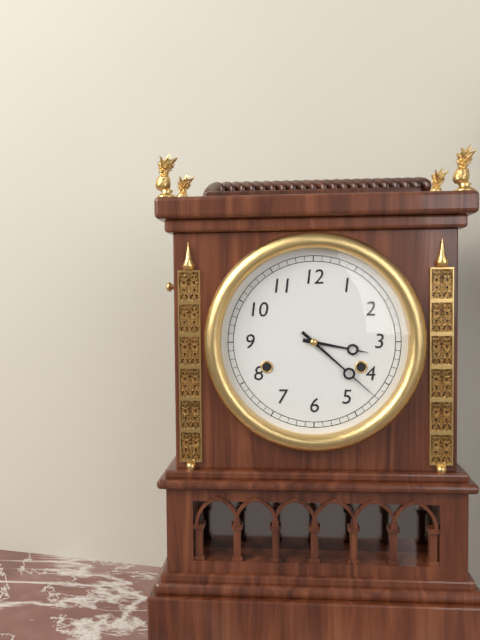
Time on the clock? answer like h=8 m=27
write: h=3 m=22
